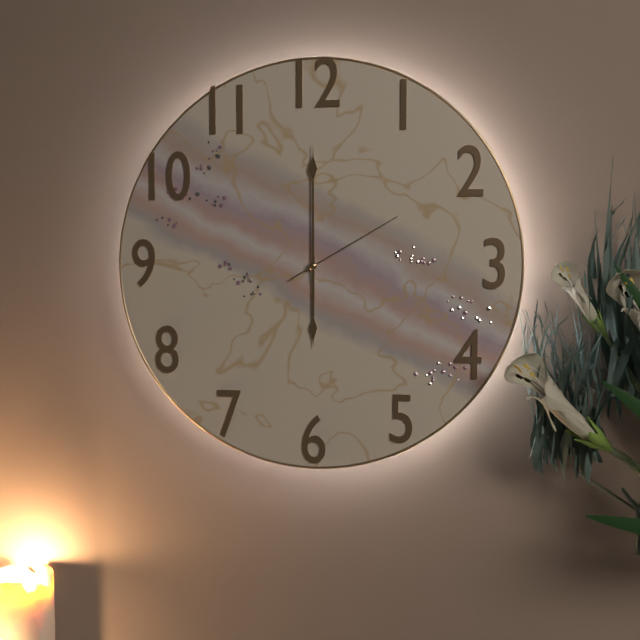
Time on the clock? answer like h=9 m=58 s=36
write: h=6 m=0 s=10
